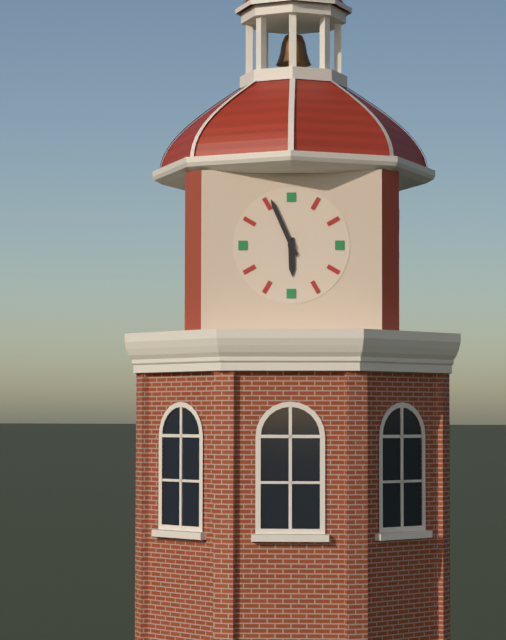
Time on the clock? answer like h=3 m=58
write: h=5 m=56
